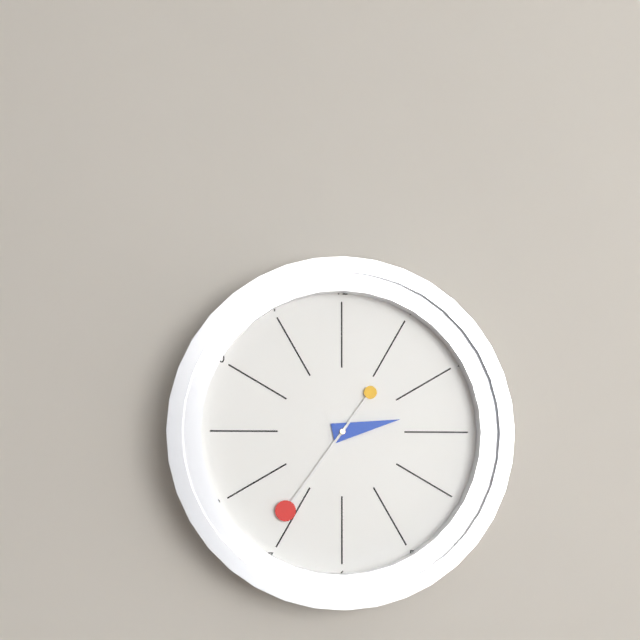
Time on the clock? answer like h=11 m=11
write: h=2 m=36
